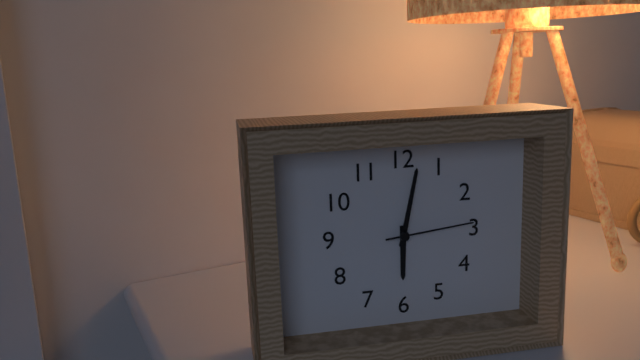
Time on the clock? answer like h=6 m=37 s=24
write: h=6 m=2 s=14
